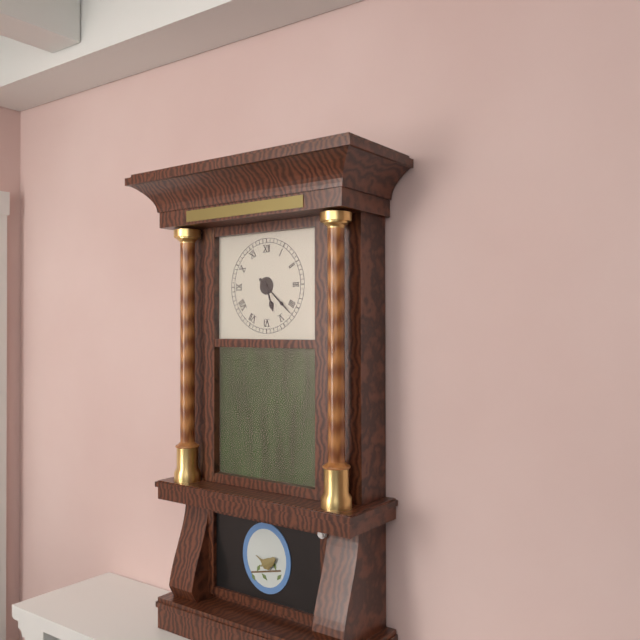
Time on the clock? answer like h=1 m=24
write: h=5 m=22
